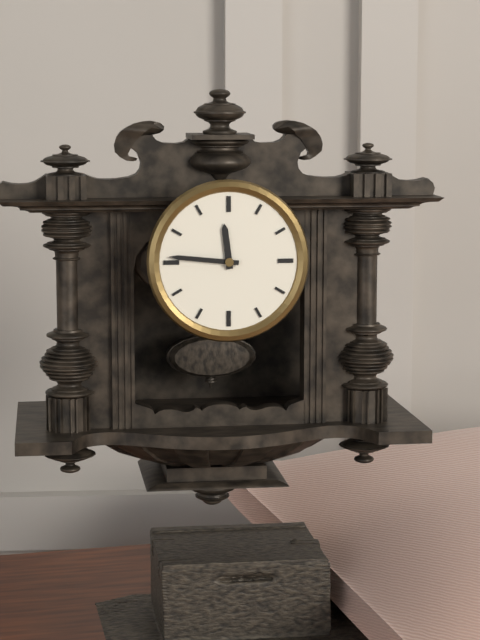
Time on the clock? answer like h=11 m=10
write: h=11 m=46
